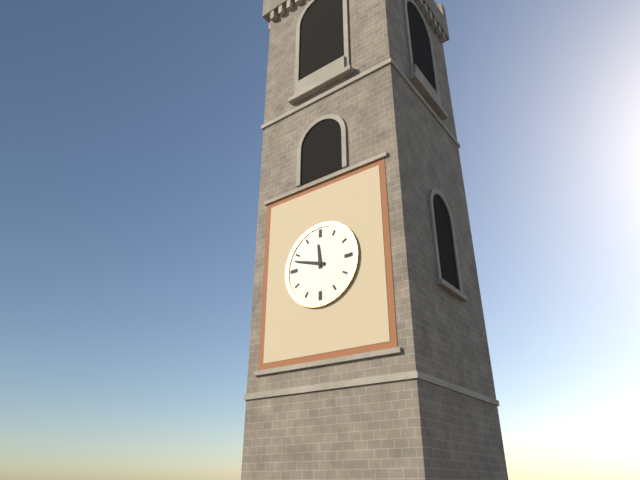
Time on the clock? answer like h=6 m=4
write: h=11 m=48
